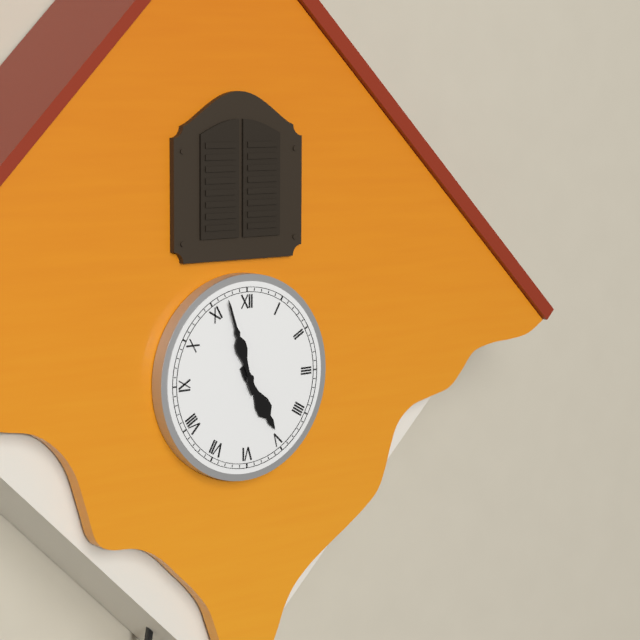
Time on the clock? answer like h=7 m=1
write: h=4 m=57
